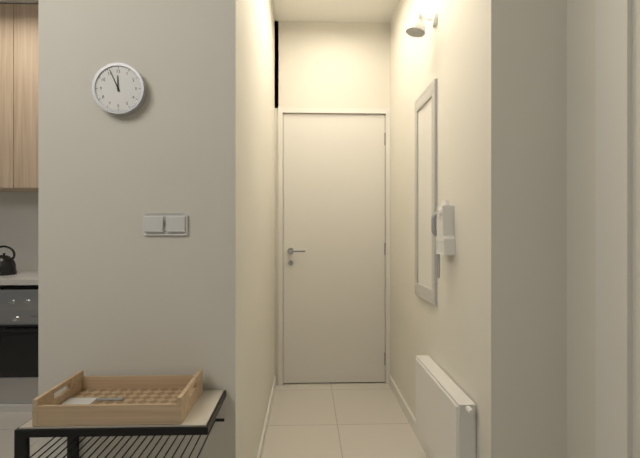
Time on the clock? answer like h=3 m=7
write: h=11 m=56
